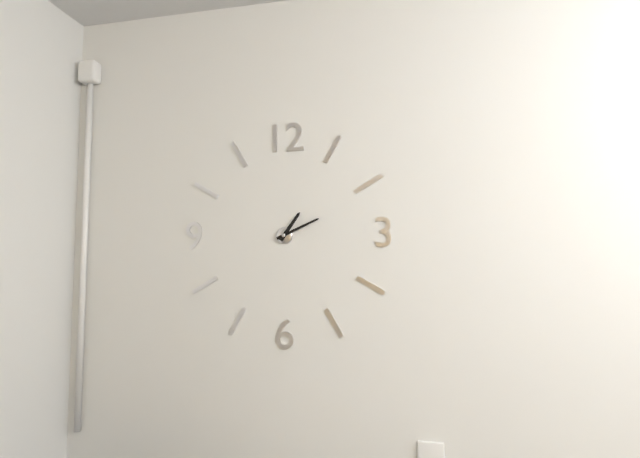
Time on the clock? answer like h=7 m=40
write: h=1 m=11
